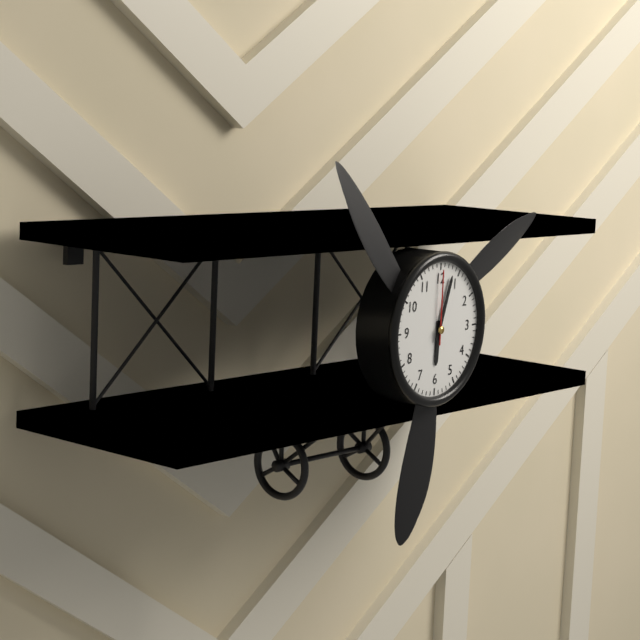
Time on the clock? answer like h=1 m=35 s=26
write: h=6 m=3 s=0
